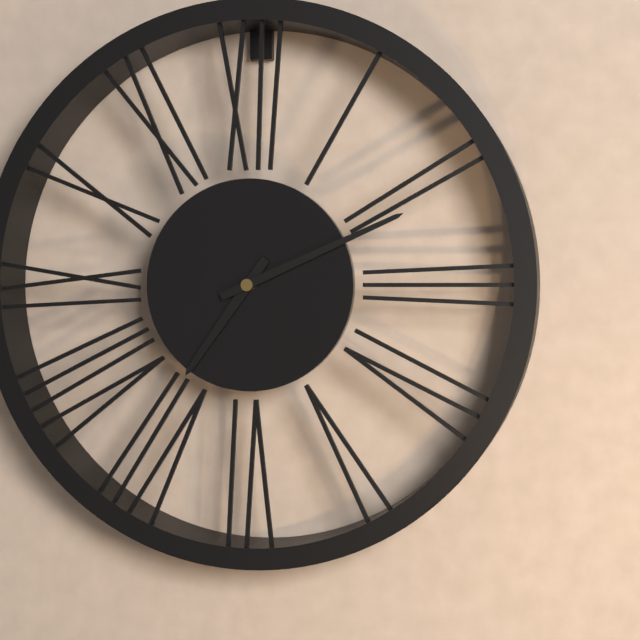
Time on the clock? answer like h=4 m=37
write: h=7 m=11
